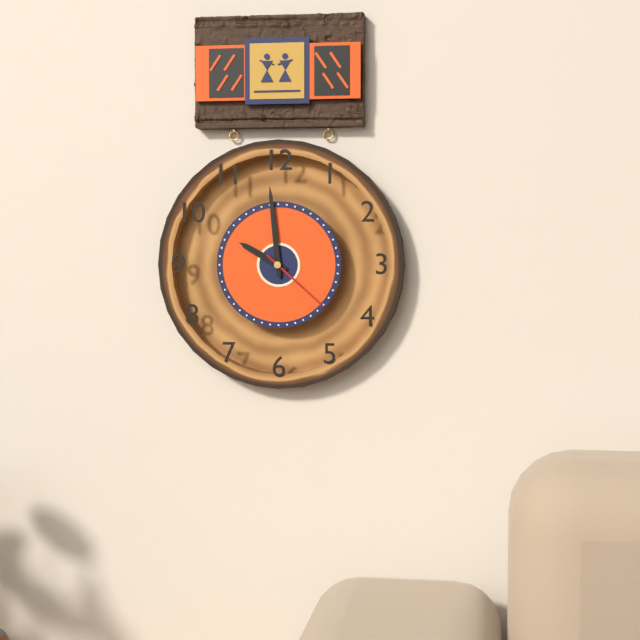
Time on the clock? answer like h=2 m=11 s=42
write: h=9 m=59 s=22
